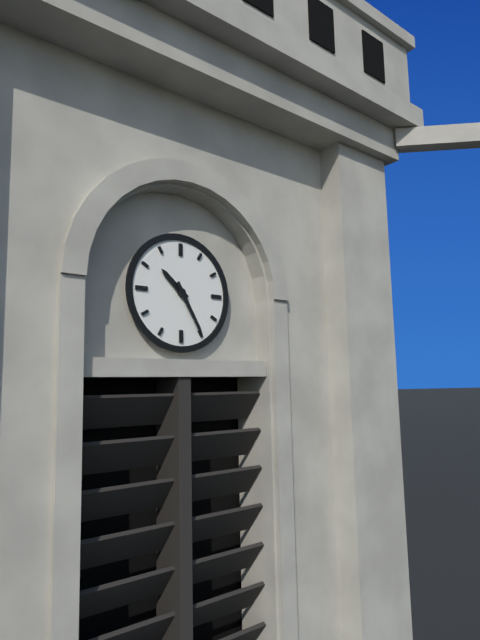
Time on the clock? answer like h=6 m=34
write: h=10 m=25
